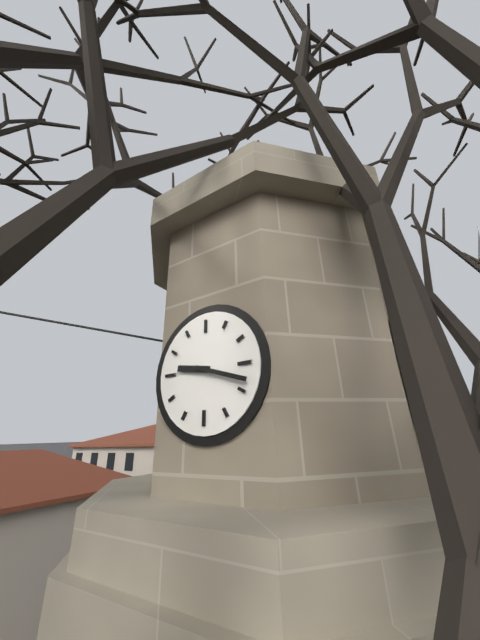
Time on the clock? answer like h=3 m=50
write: h=9 m=18
